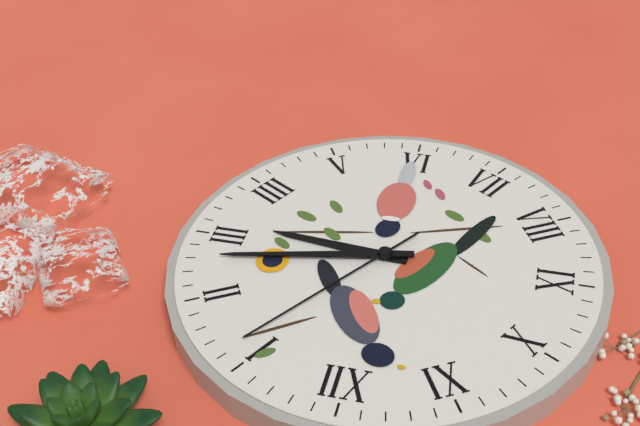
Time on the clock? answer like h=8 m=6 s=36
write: h=3 m=13 s=6
